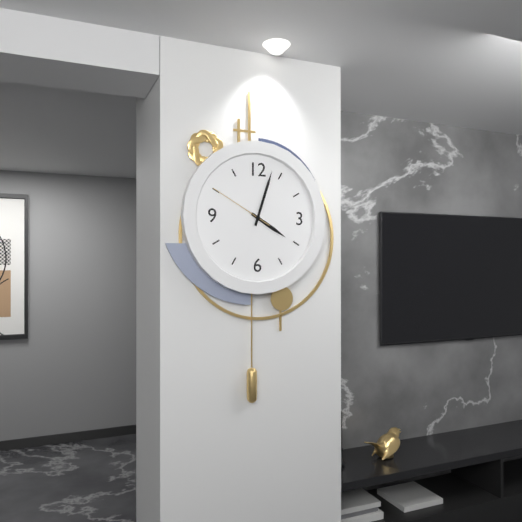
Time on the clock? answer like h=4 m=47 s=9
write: h=4 m=3 s=50
